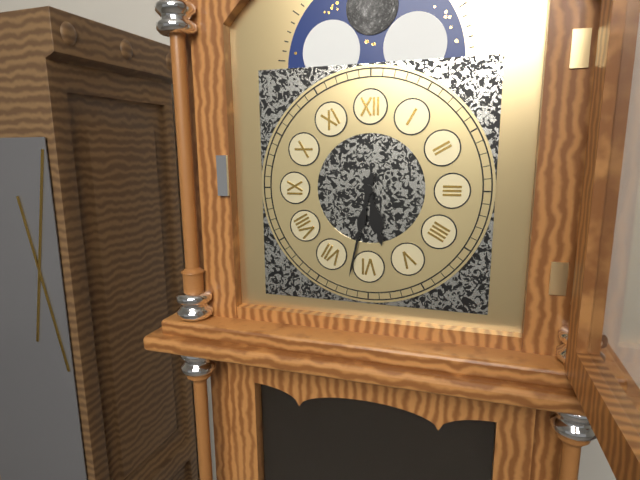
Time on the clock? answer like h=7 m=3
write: h=5 m=32
